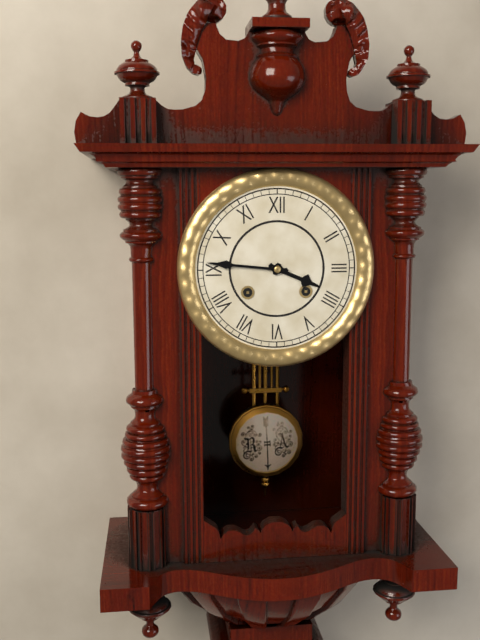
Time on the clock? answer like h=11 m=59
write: h=3 m=46
